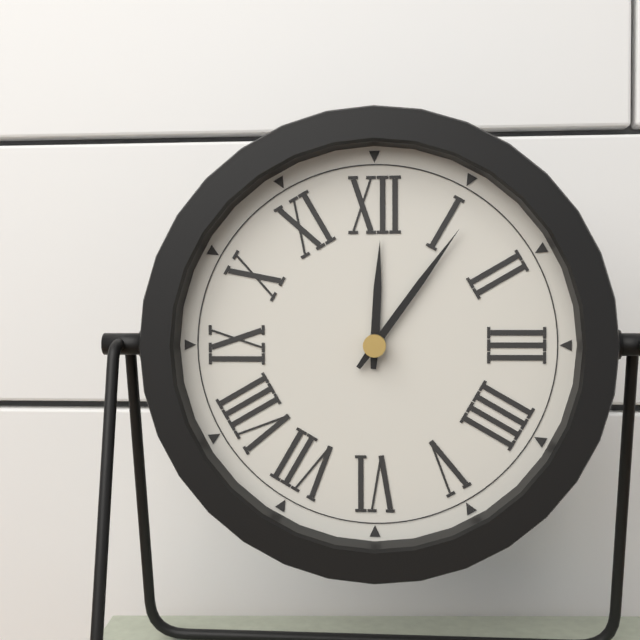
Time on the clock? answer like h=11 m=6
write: h=12 m=6
